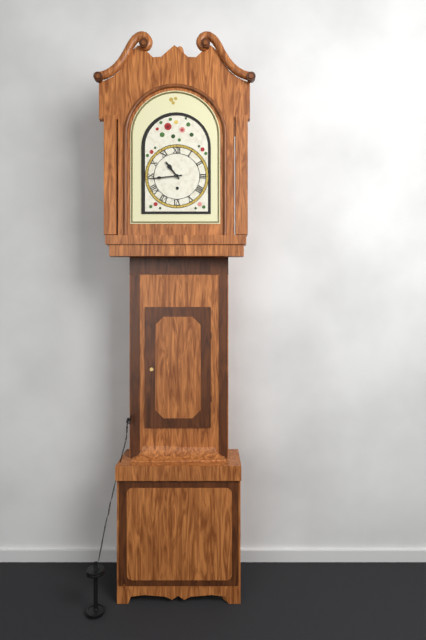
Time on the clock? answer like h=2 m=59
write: h=10 m=44
